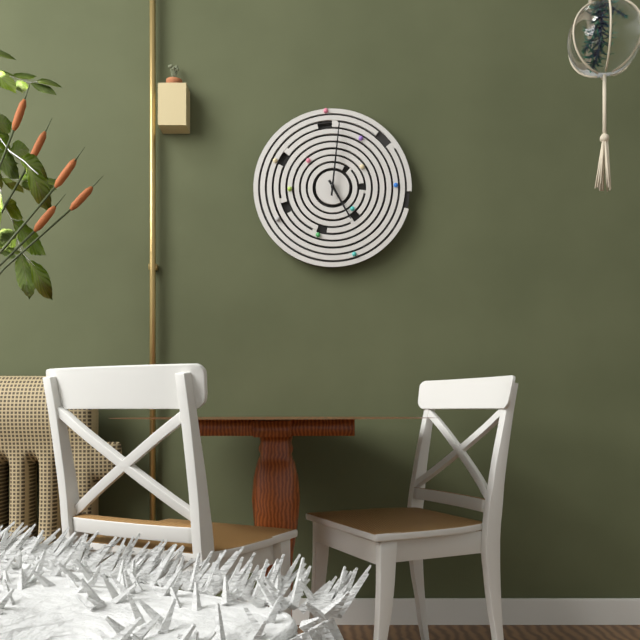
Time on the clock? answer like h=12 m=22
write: h=5 m=1
